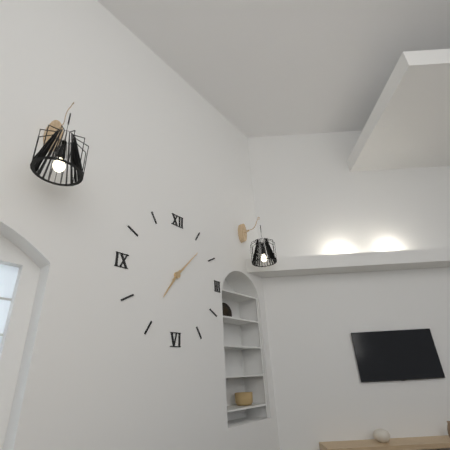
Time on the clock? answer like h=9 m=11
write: h=7 m=7
